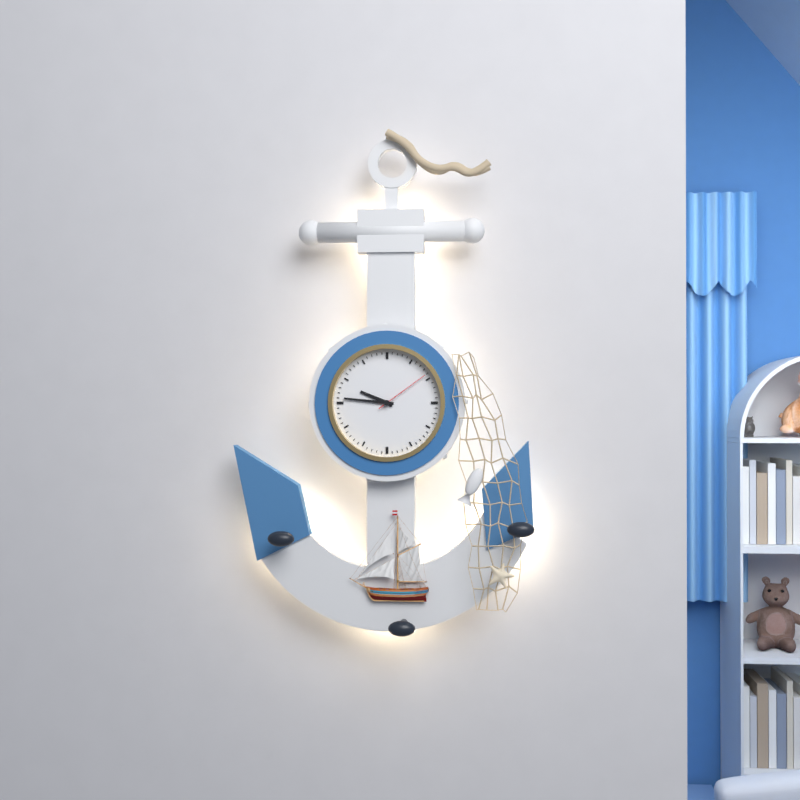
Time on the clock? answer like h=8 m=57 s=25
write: h=9 m=46 s=9
